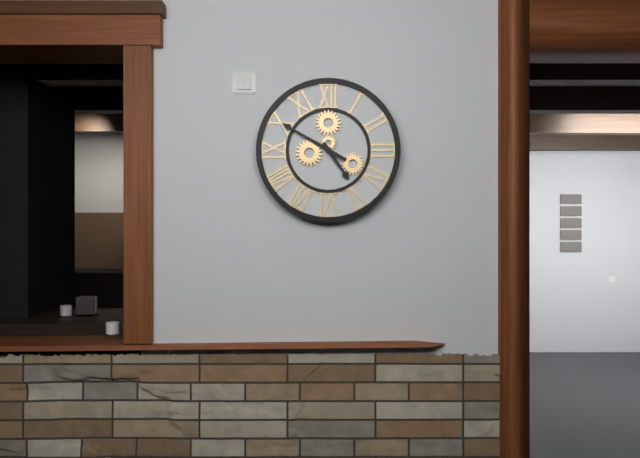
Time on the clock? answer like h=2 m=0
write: h=4 m=50
